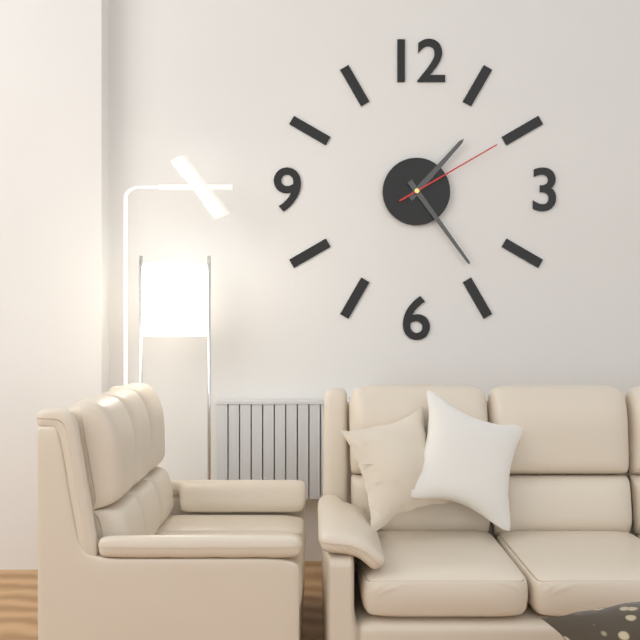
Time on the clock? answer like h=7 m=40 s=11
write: h=1 m=24 s=10
